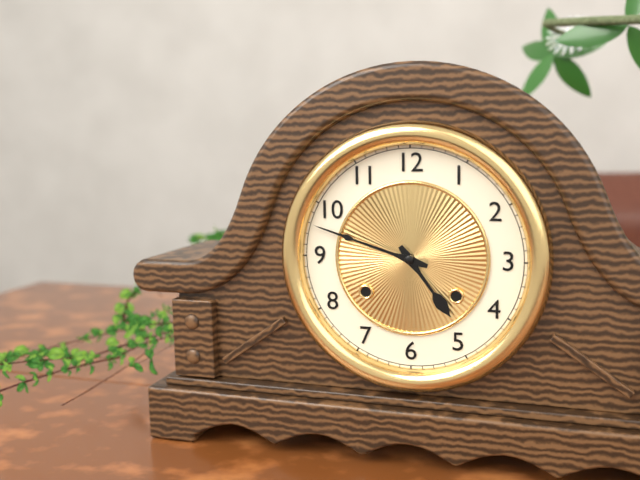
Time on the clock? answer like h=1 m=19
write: h=4 m=48
